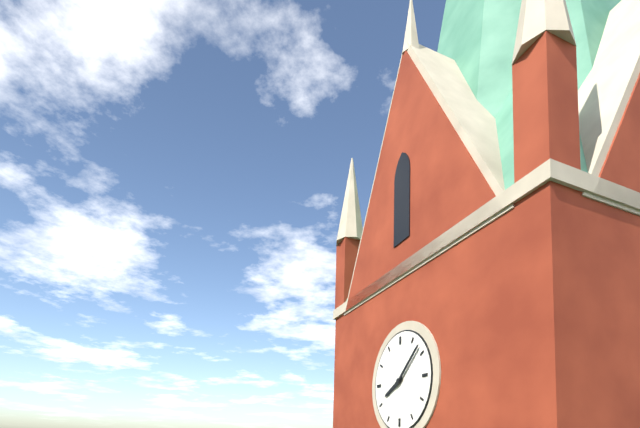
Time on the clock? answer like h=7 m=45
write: h=8 m=8
